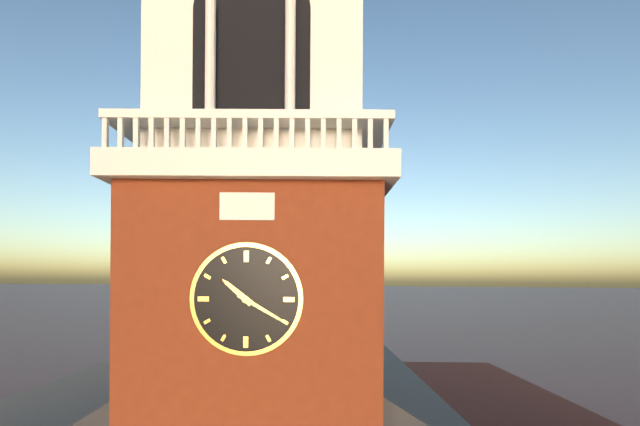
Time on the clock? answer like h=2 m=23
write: h=10 m=20
